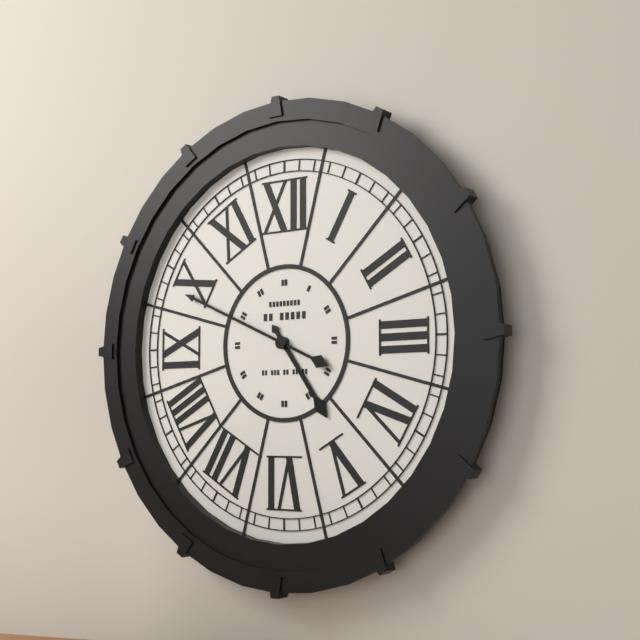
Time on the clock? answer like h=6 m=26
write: h=4 m=49
